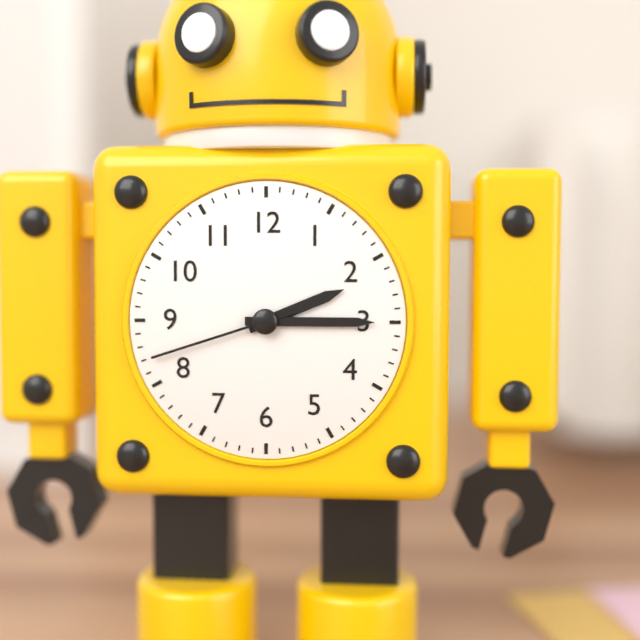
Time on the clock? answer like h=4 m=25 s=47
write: h=2 m=15 s=42
